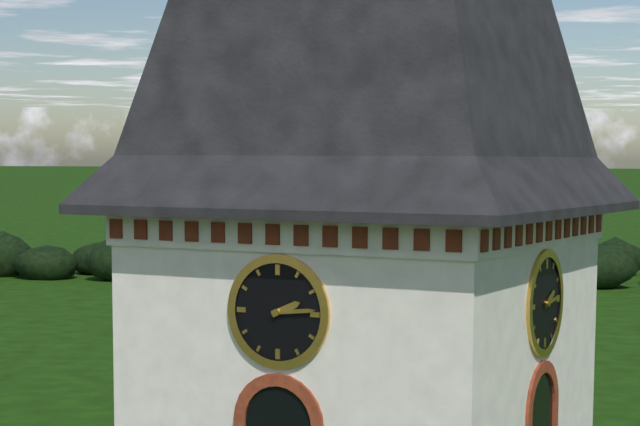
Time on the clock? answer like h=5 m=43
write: h=2 m=14
